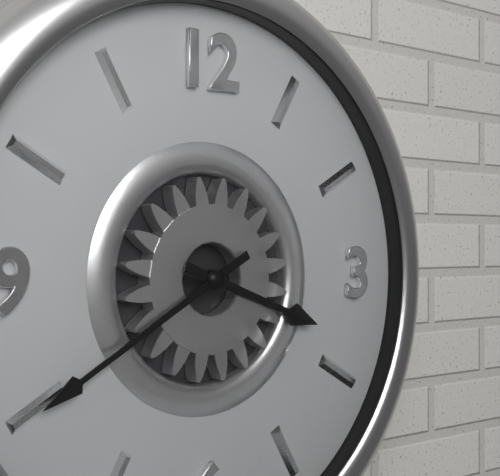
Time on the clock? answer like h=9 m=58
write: h=3 m=40
